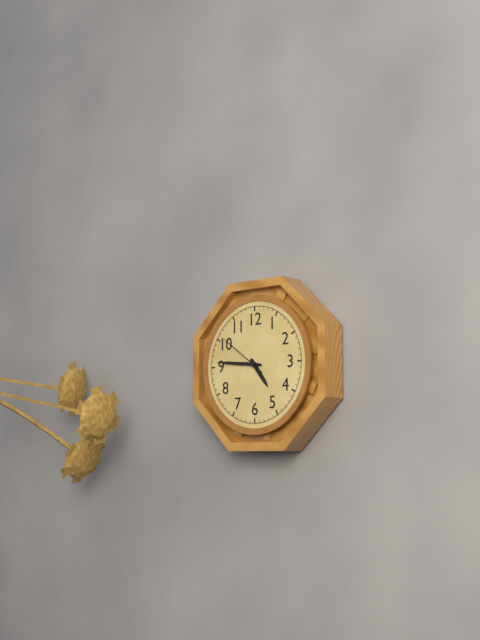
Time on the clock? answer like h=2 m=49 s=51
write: h=4 m=46 s=51
